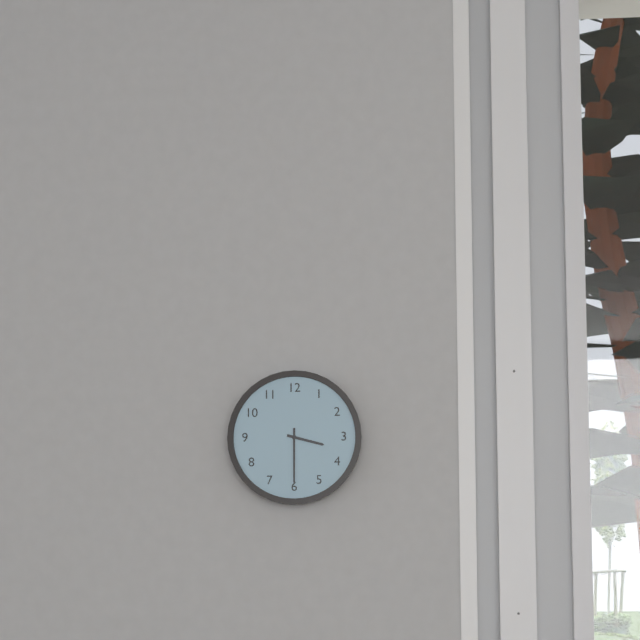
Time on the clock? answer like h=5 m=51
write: h=3 m=30
